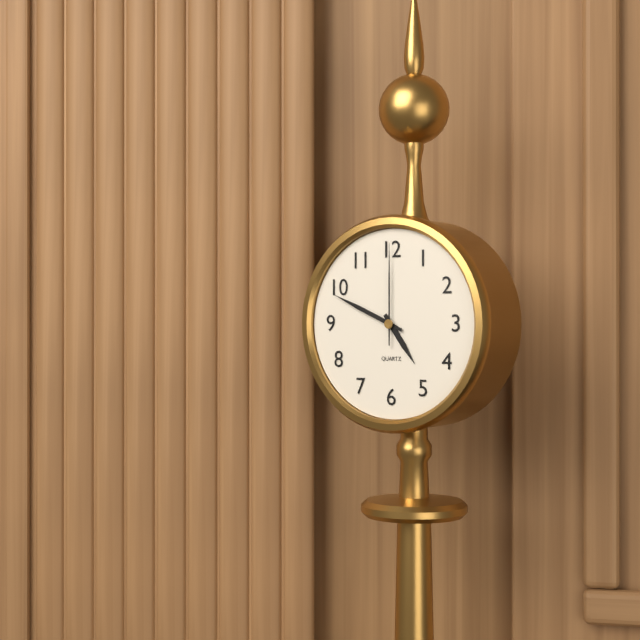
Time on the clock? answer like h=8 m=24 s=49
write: h=4 m=49 s=0
